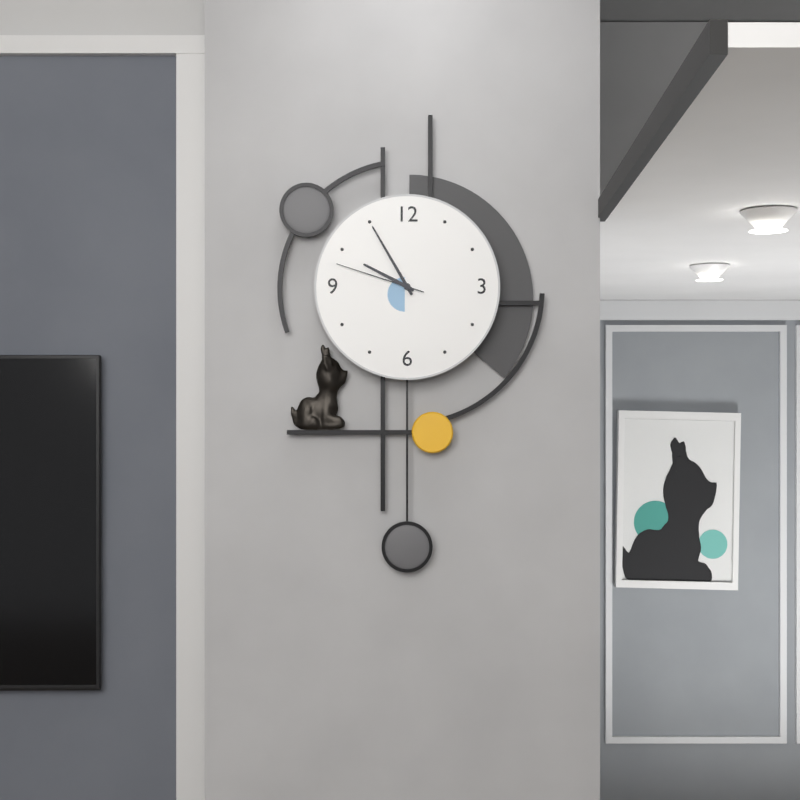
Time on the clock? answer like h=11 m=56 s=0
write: h=9 m=55 s=48
